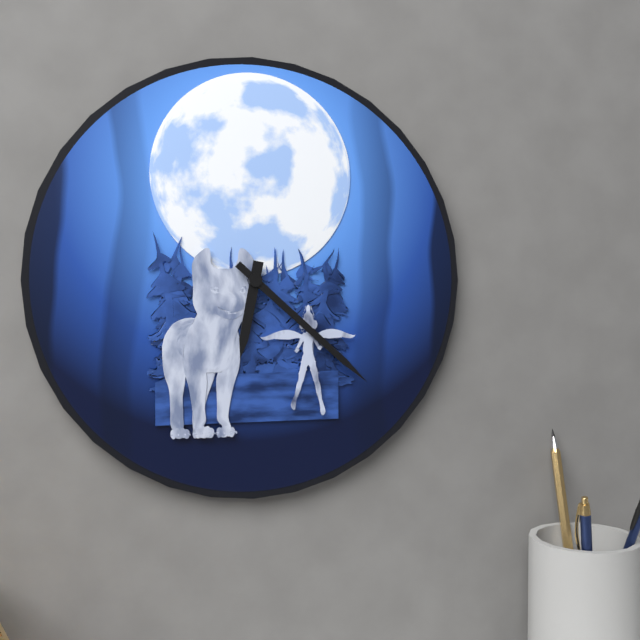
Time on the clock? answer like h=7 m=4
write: h=6 m=22
